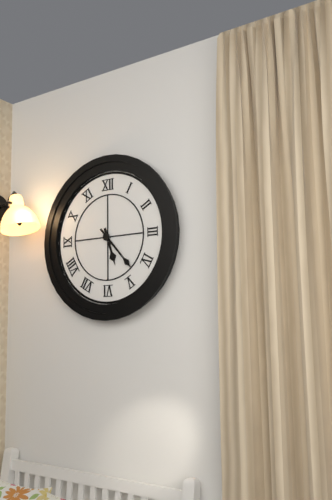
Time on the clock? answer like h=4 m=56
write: h=5 m=23
